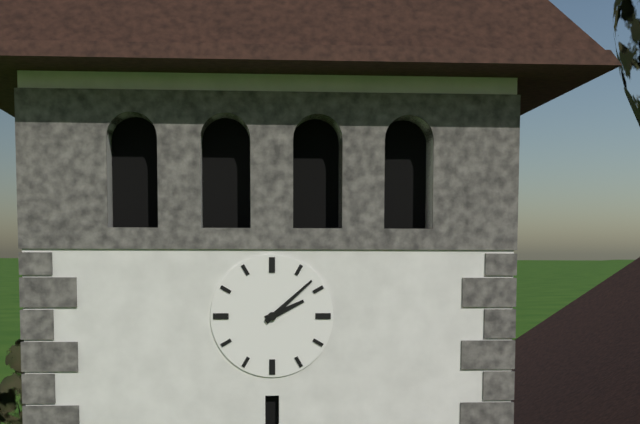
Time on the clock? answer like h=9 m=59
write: h=2 m=8
